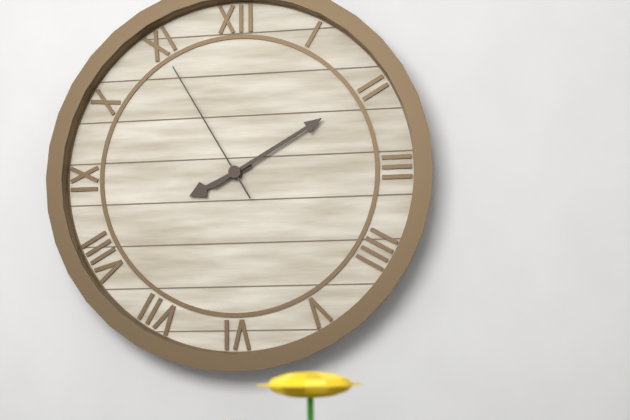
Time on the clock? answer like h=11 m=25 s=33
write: h=8 m=10 s=55
